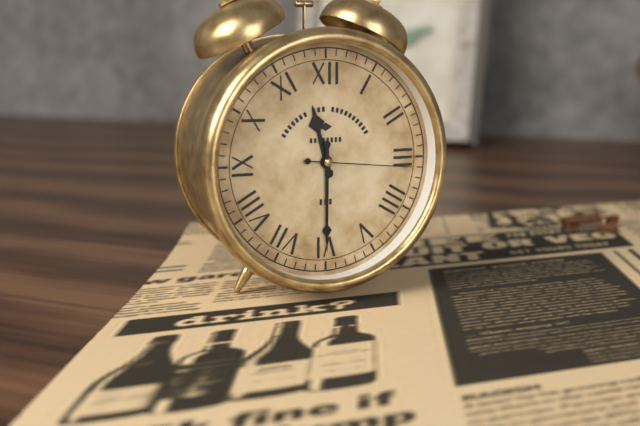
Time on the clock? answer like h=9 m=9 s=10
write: h=11 m=30 s=16
